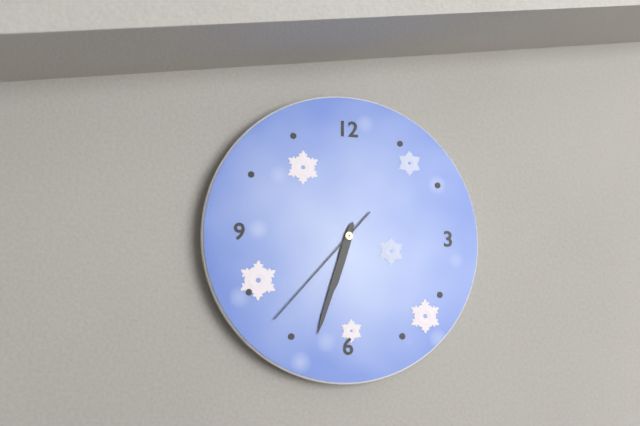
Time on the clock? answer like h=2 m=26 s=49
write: h=6 m=33 s=37
